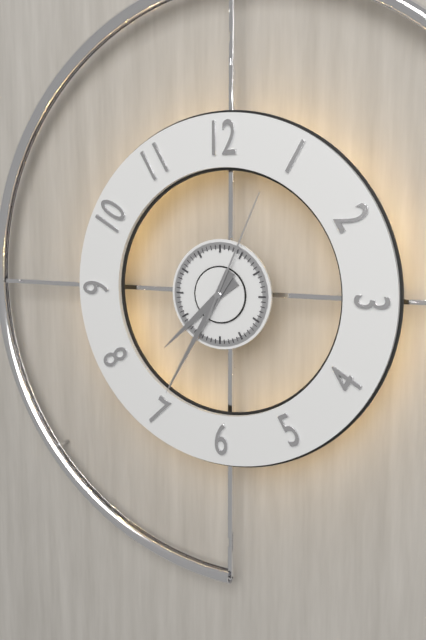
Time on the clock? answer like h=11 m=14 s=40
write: h=7 m=35 s=4
